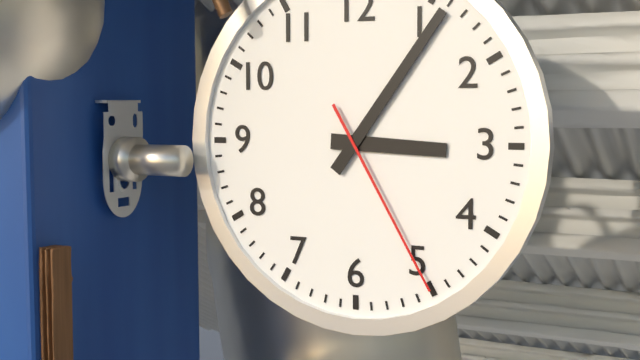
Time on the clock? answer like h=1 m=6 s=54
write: h=3 m=6 s=25
